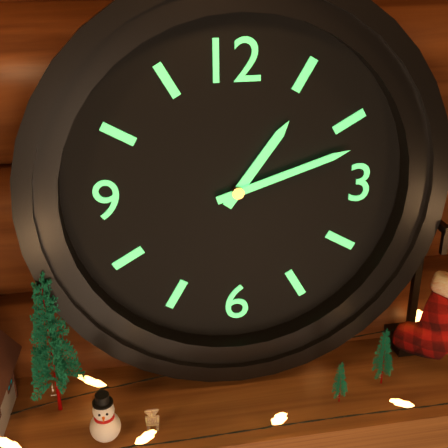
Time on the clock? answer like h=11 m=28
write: h=1 m=12
